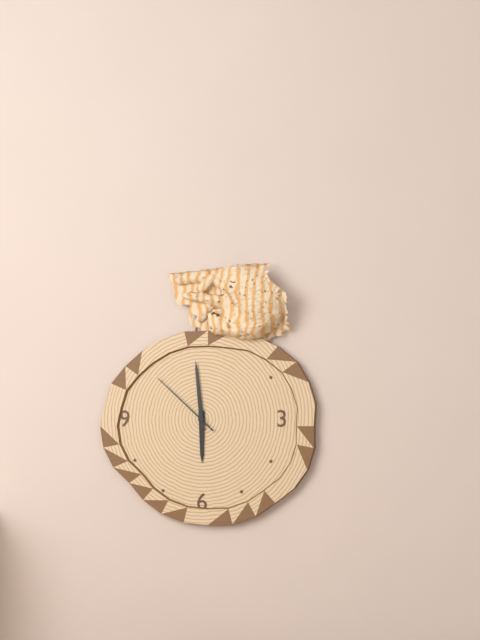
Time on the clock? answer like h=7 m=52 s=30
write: h=5 m=59 s=52
